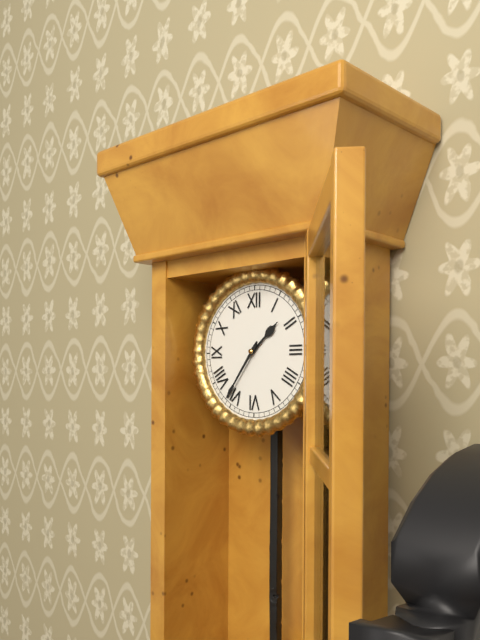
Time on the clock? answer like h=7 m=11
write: h=1 m=36
